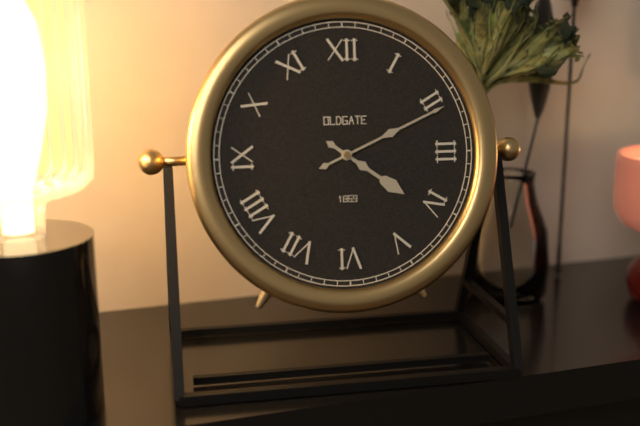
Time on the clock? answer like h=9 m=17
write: h=4 m=11
